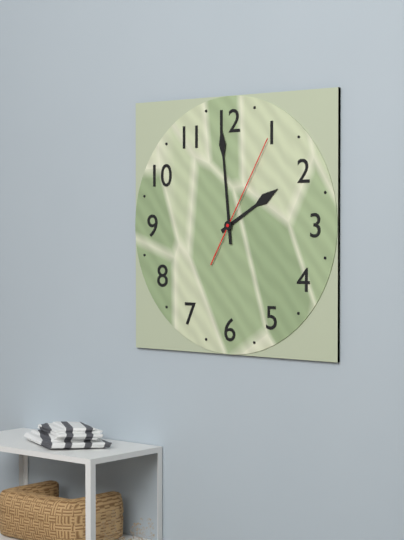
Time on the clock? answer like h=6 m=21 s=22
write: h=1 m=59 s=5
